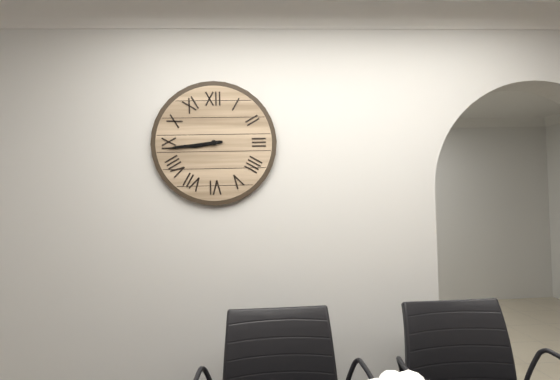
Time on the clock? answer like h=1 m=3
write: h=8 m=44
